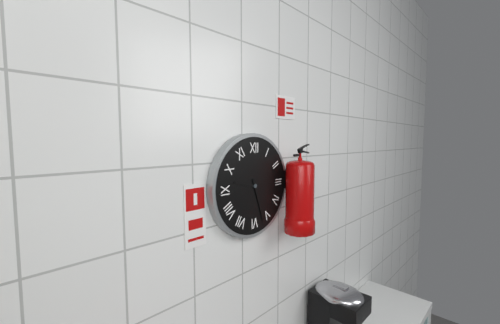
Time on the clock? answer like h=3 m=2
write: h=9 m=27
